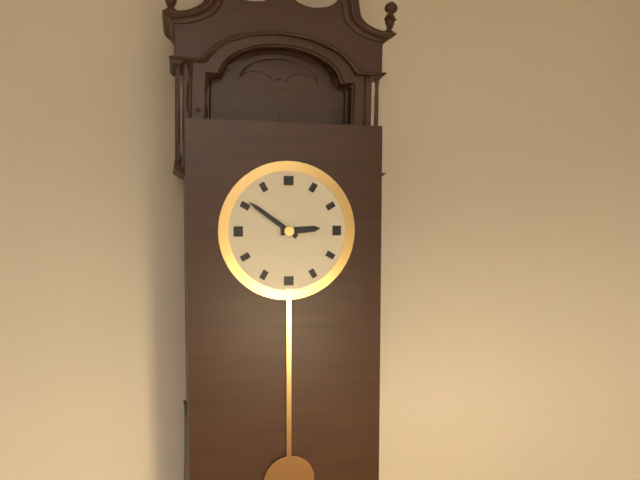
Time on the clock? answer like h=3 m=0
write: h=2 m=51
